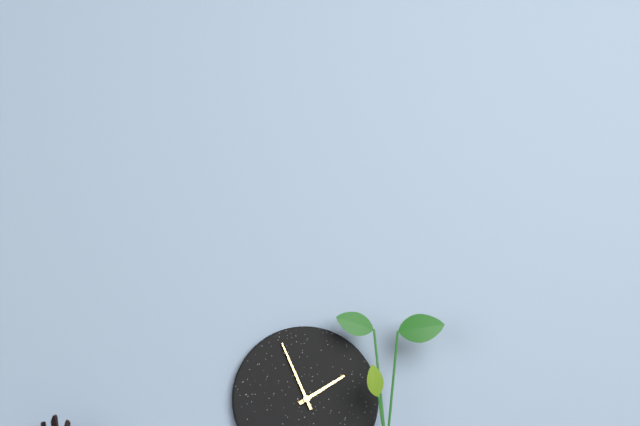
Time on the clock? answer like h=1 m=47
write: h=1 m=56
